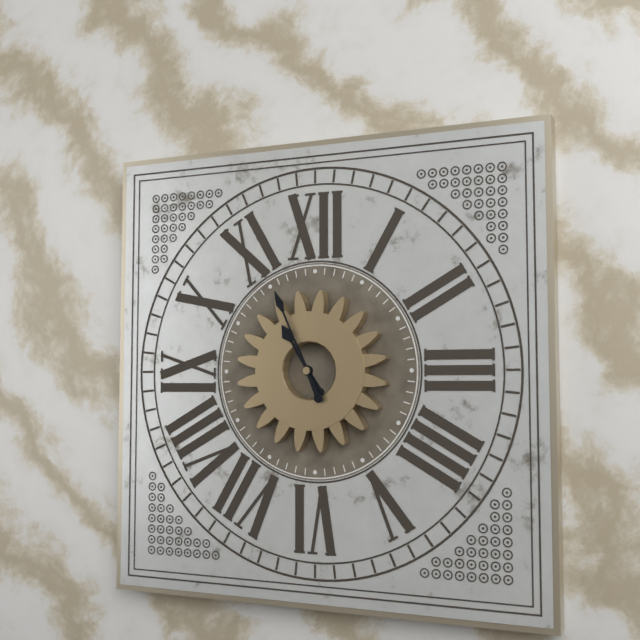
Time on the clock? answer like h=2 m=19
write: h=10 m=56
